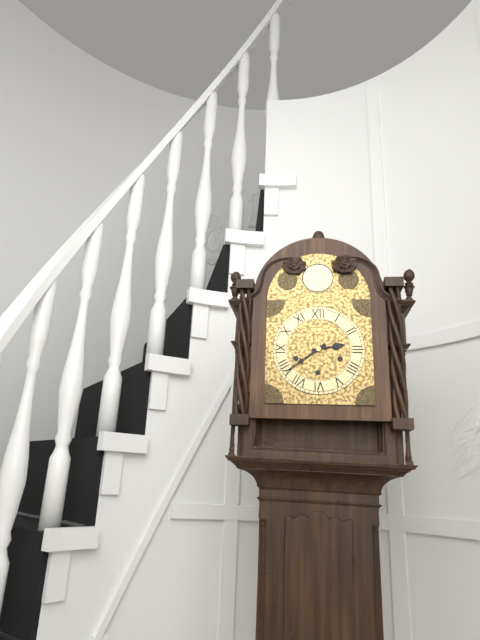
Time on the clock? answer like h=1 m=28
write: h=2 m=39
